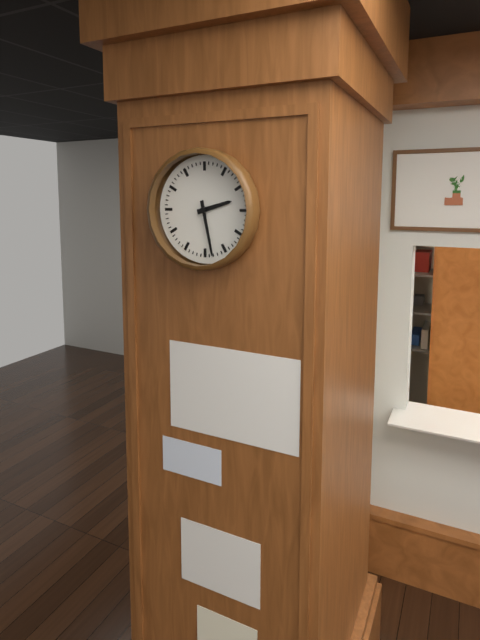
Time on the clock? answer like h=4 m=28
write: h=2 m=28
